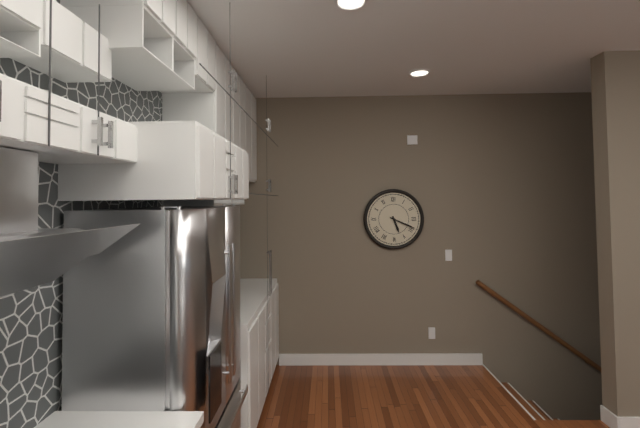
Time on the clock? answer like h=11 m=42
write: h=5 m=19
